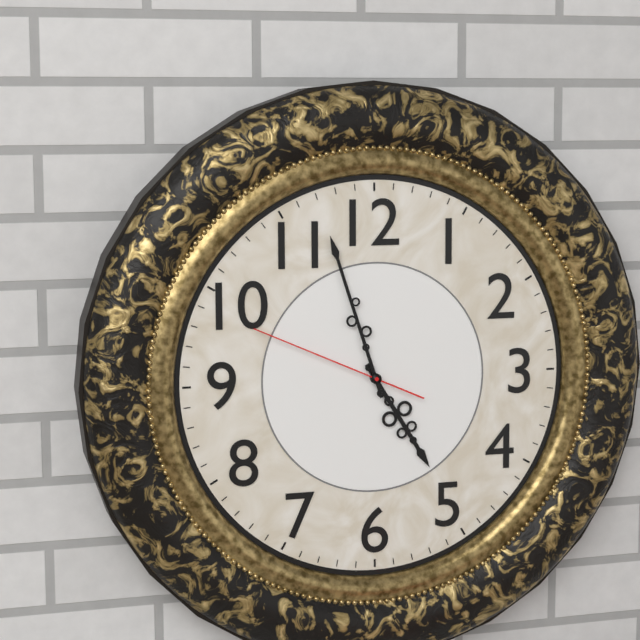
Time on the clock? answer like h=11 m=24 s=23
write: h=4 m=57 s=49
